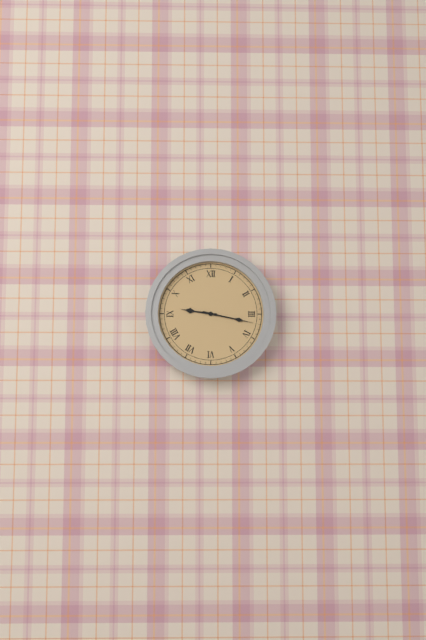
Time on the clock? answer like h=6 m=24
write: h=9 m=17
